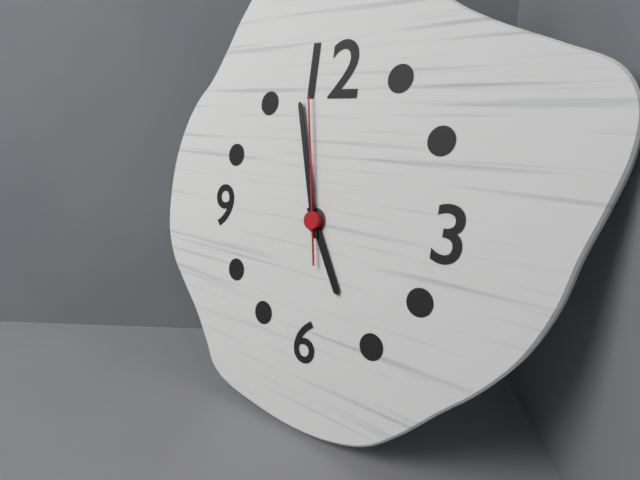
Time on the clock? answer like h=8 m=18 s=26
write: h=4 m=57 s=58
